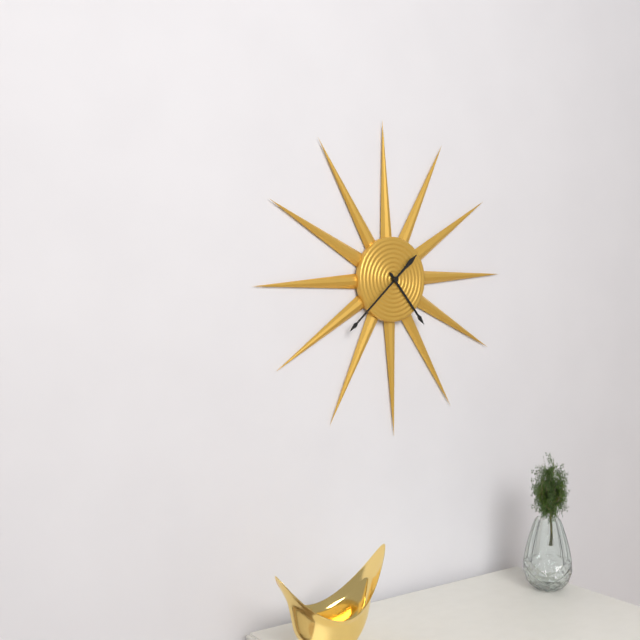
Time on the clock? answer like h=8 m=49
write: h=4 m=38
